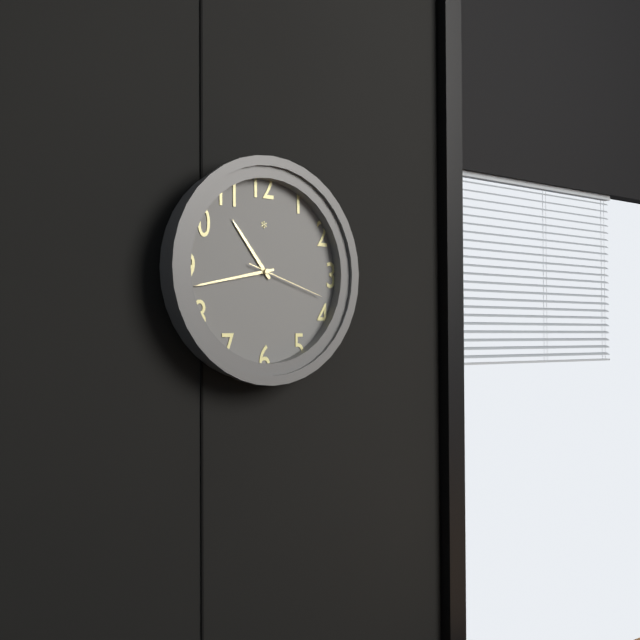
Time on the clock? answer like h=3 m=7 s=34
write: h=10 m=43 s=18
